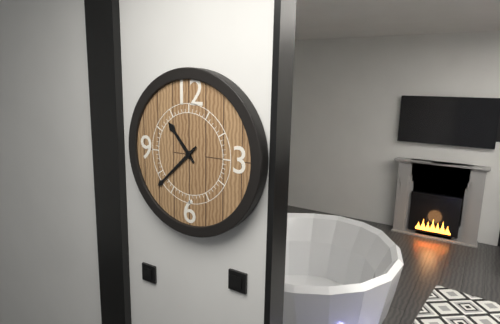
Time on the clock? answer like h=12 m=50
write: h=10 m=38
